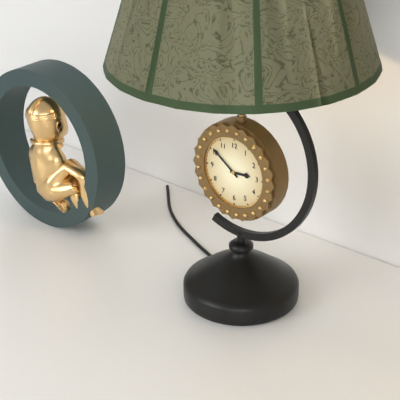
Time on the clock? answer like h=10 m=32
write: h=2 m=51
